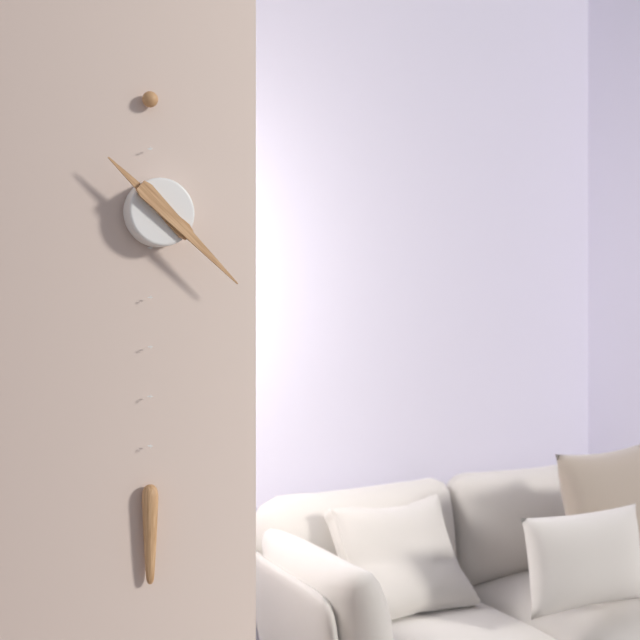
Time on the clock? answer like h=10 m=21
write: h=10 m=22
